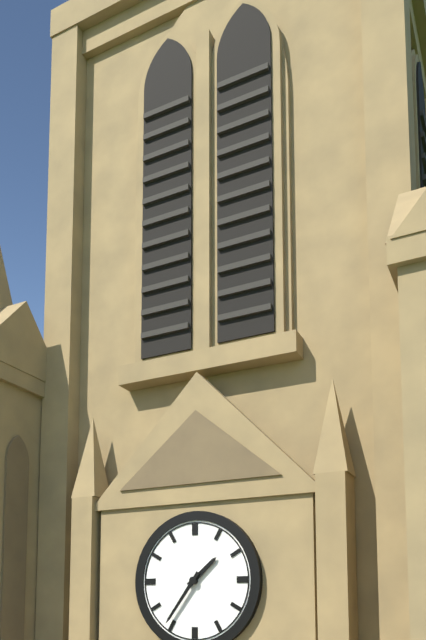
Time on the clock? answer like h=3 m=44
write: h=1 m=36
